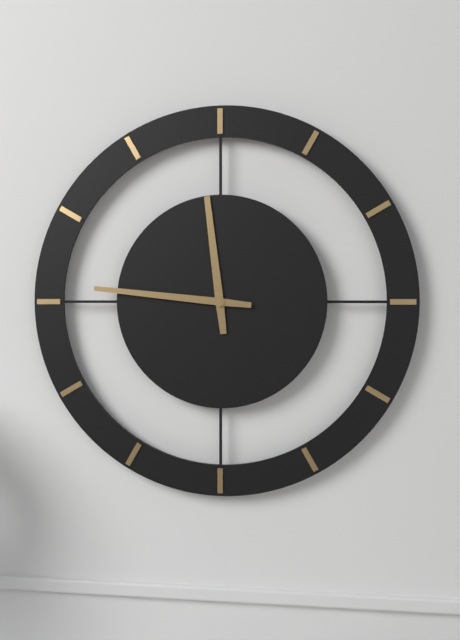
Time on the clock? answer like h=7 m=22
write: h=11 m=46
